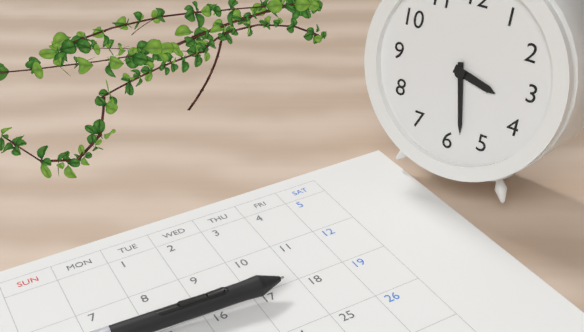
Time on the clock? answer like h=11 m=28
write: h=3 m=28
